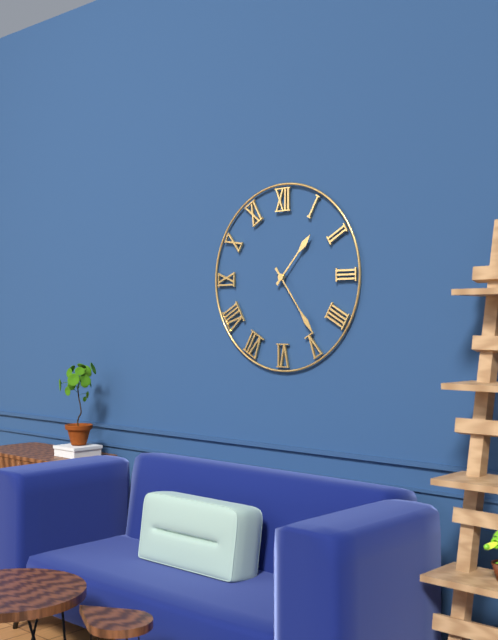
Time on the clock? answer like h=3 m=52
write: h=1 m=24
